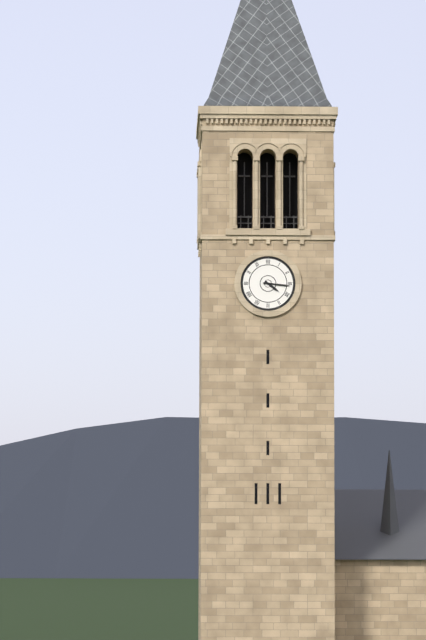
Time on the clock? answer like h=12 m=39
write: h=4 m=16
